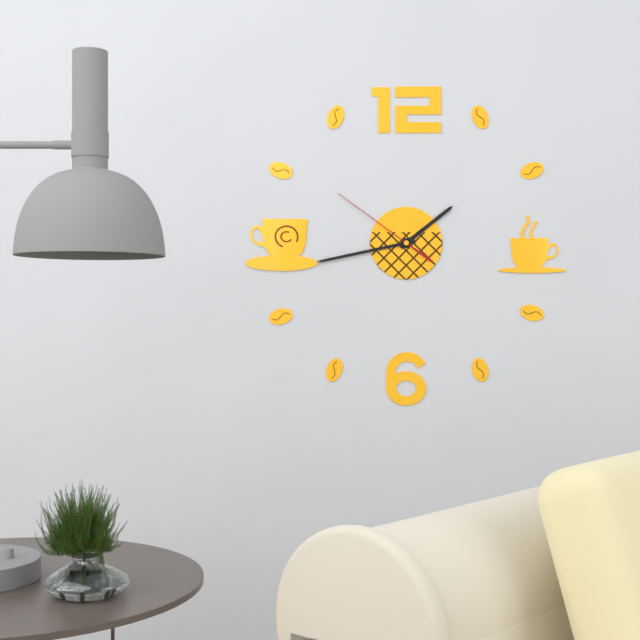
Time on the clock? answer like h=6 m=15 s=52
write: h=1 m=43 s=51
